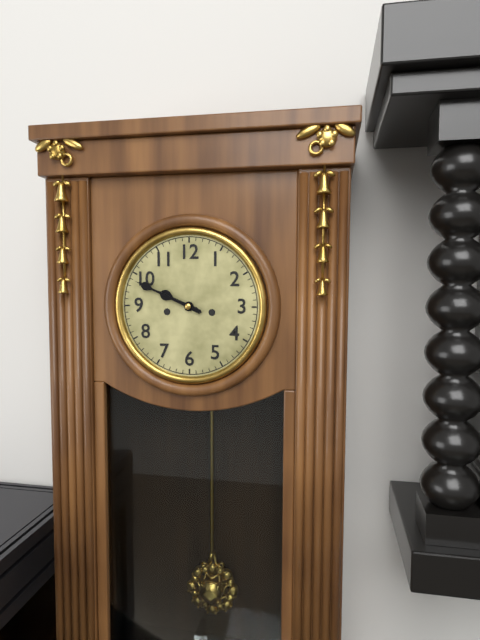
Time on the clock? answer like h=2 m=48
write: h=9 m=49
